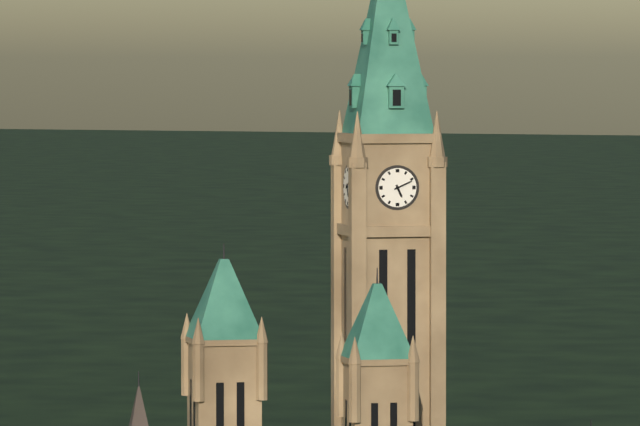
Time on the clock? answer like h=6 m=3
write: h=5 m=11
